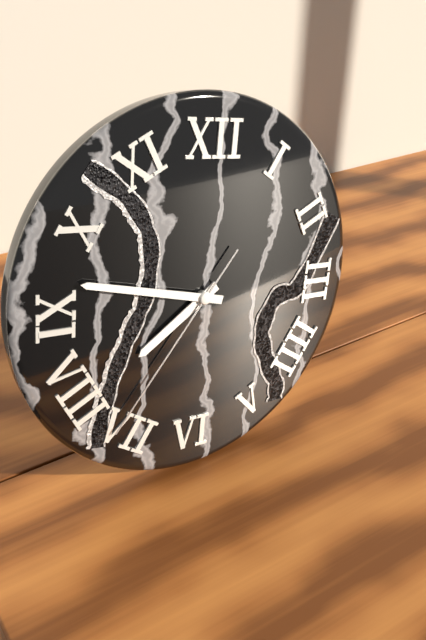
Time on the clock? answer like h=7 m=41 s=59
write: h=7 m=47 s=36
